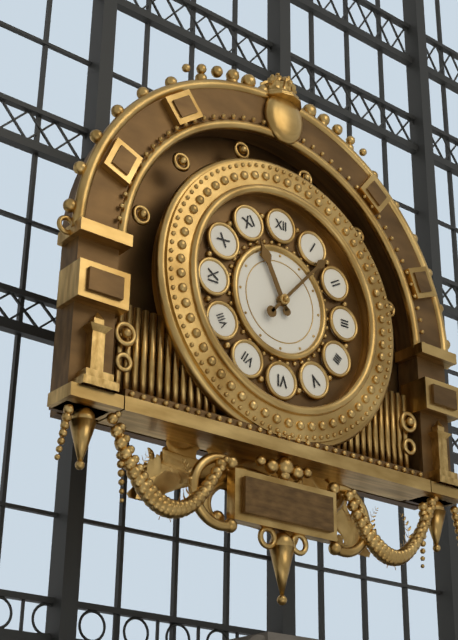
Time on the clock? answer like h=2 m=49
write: h=11 m=7
